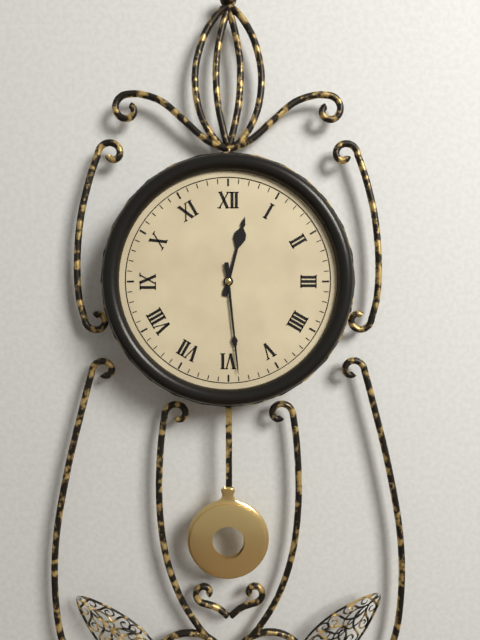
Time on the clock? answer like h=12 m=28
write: h=12 m=29
